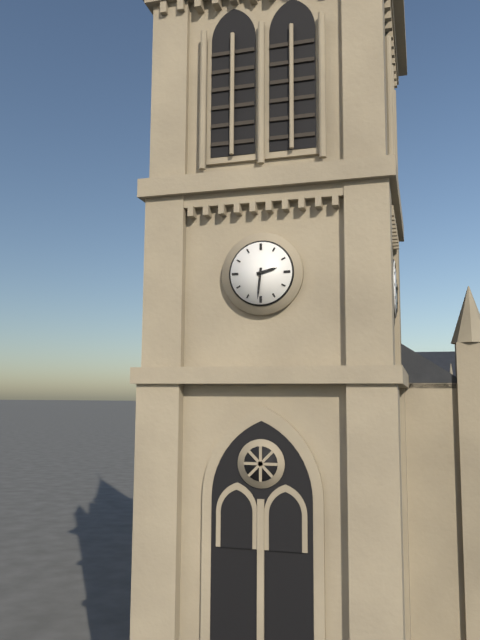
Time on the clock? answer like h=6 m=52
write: h=2 m=31
